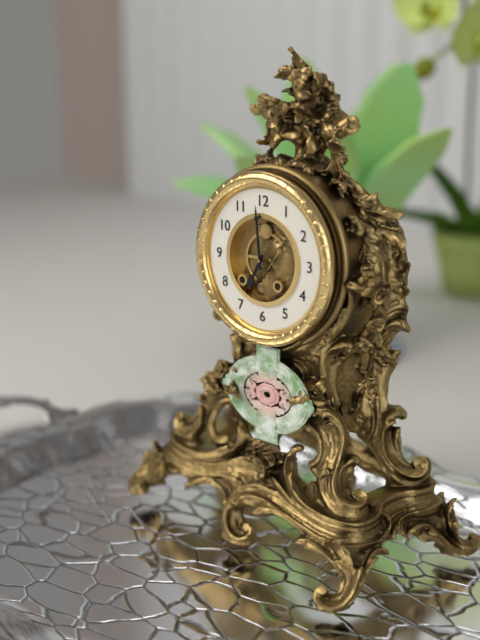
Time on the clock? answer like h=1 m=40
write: h=6 m=59
